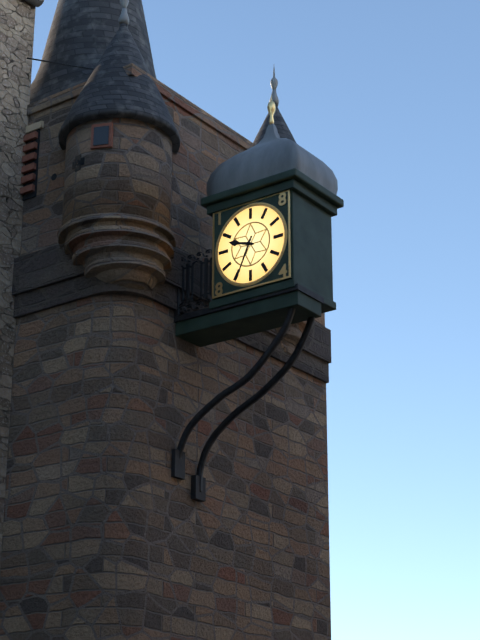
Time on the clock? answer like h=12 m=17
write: h=9 m=34
